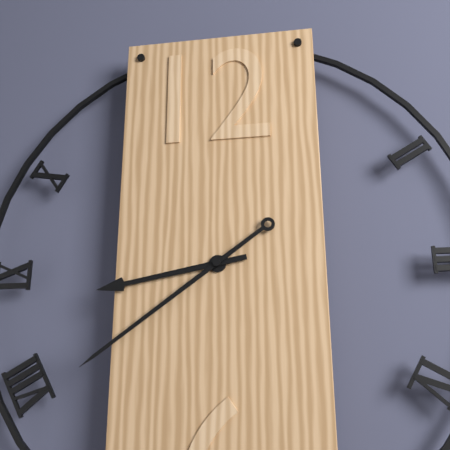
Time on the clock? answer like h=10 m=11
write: h=8 m=39
